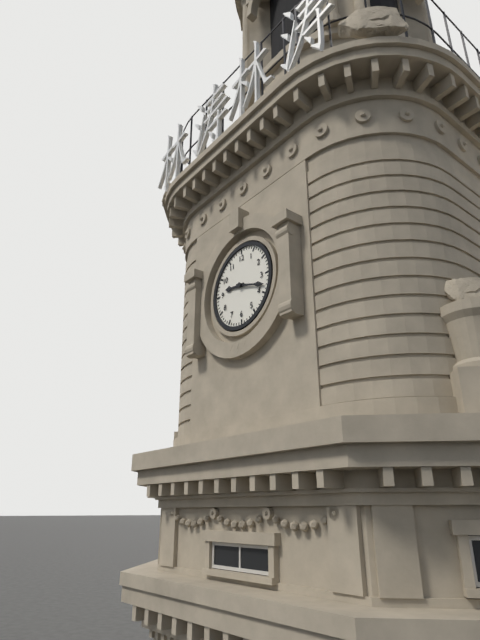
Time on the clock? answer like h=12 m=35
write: h=9 m=18
